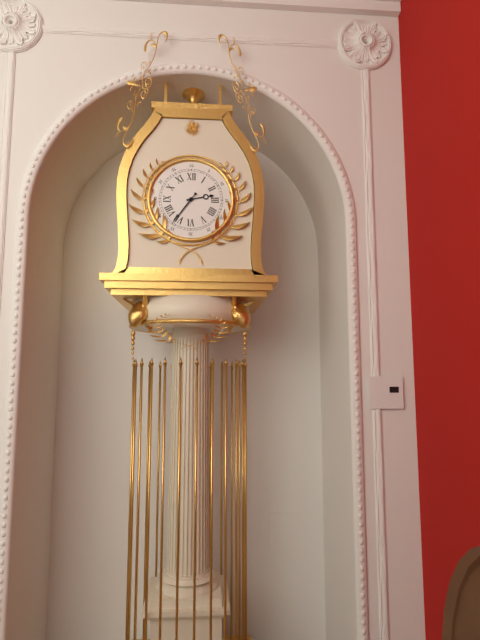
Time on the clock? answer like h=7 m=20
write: h=2 m=36
